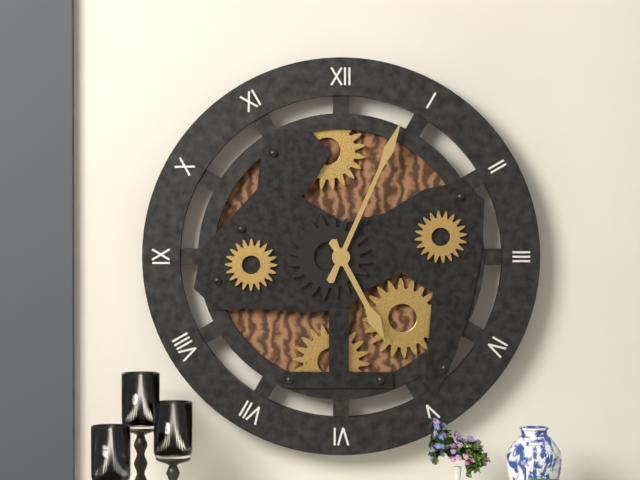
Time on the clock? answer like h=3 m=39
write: h=5 m=4
